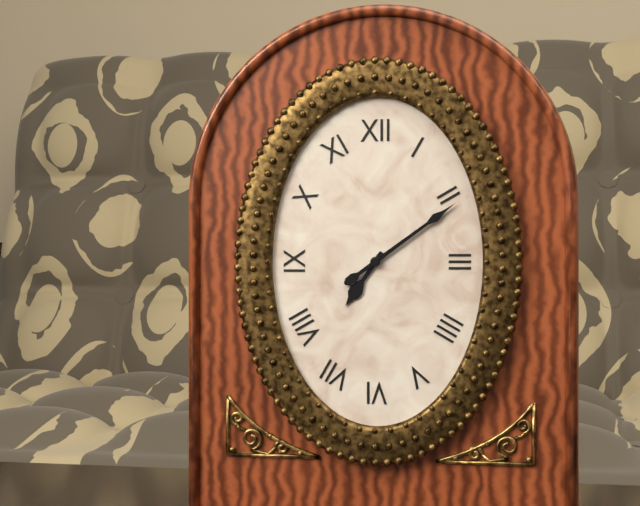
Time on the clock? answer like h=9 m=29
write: h=7 m=9
